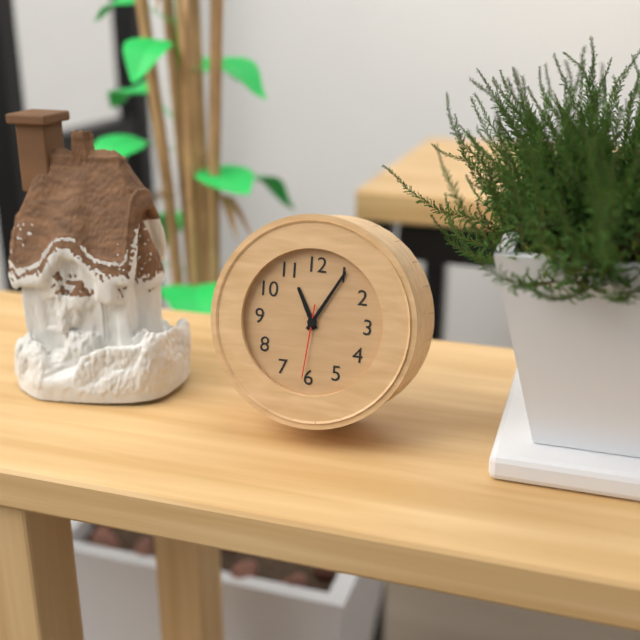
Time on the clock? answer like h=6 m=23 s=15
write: h=11 m=5 s=31
